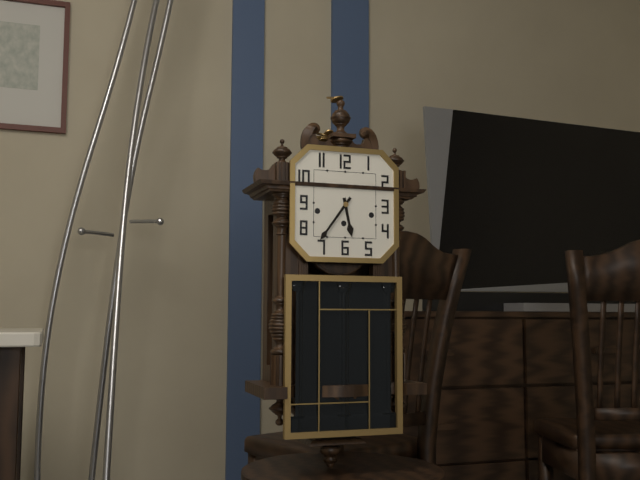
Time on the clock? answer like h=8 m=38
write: h=5 m=36
